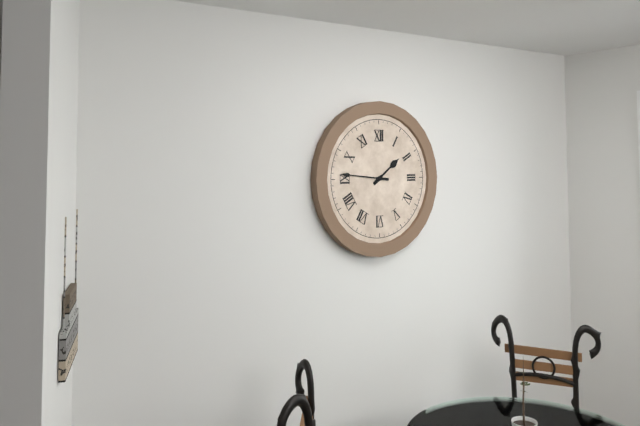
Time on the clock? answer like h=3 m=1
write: h=1 m=46
